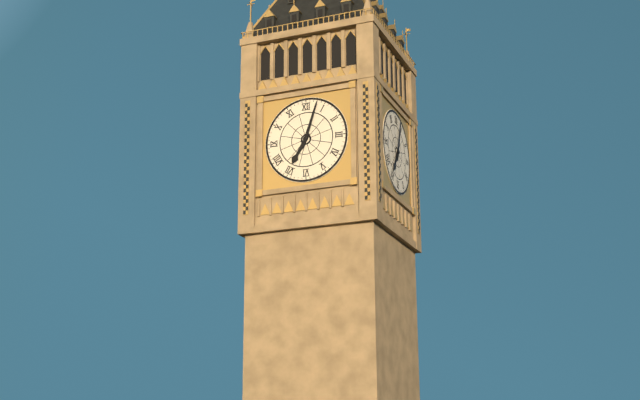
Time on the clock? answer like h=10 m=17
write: h=7 m=3
